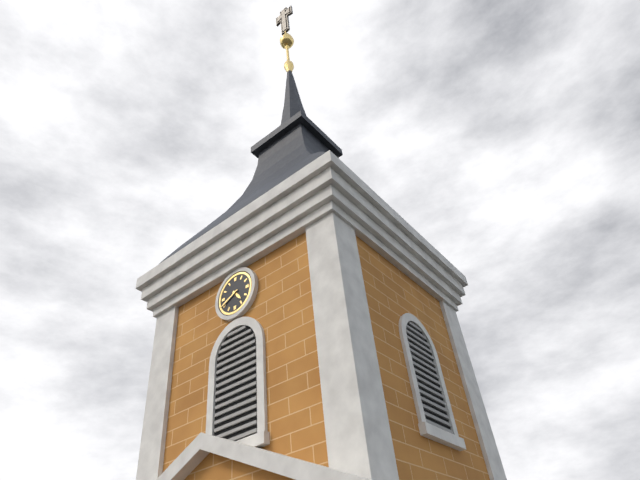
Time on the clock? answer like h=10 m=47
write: h=4 m=41
